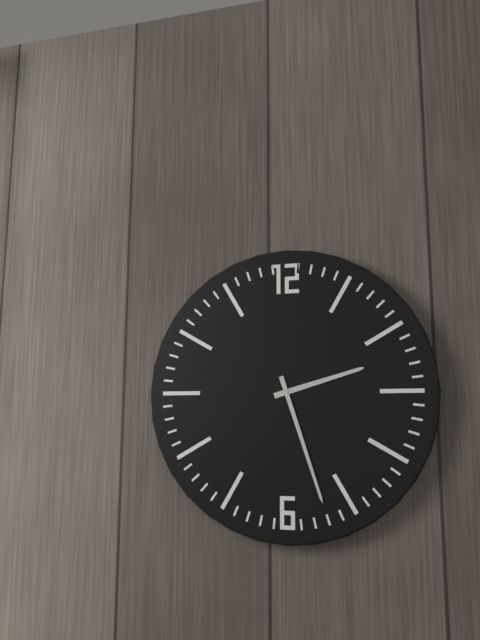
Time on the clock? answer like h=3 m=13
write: h=2 m=27
